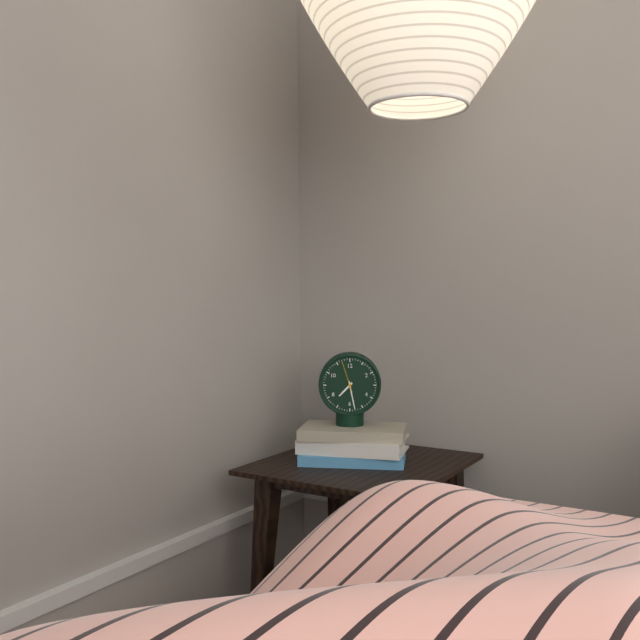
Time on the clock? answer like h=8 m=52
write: h=7 m=28
